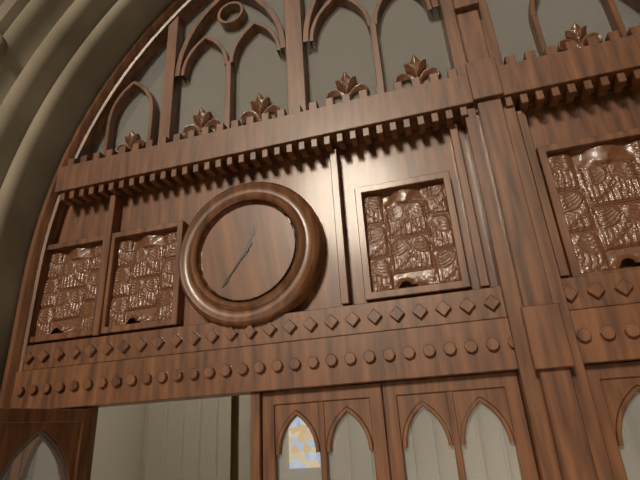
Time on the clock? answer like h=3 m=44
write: h=12 m=36
